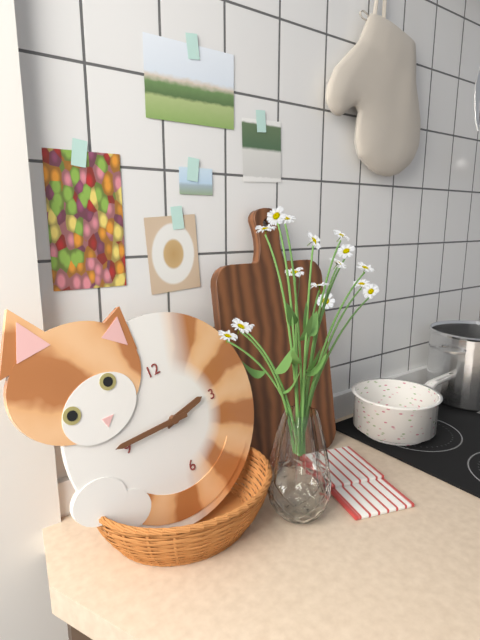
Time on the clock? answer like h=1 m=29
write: h=2 m=46
